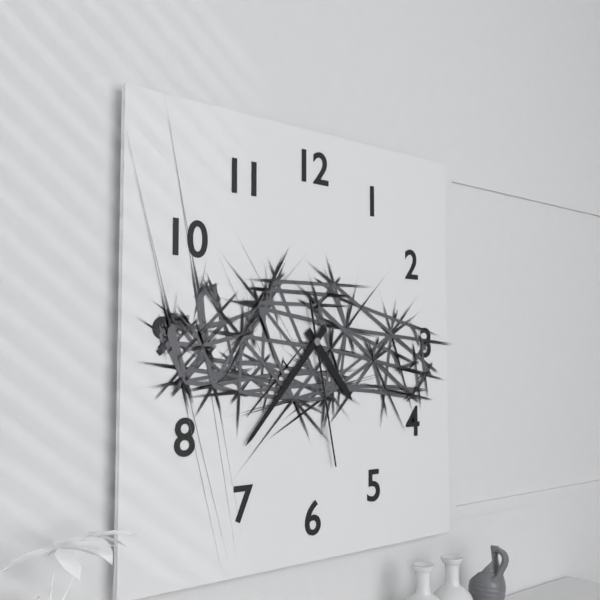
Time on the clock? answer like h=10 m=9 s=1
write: h=4 m=37 s=28
